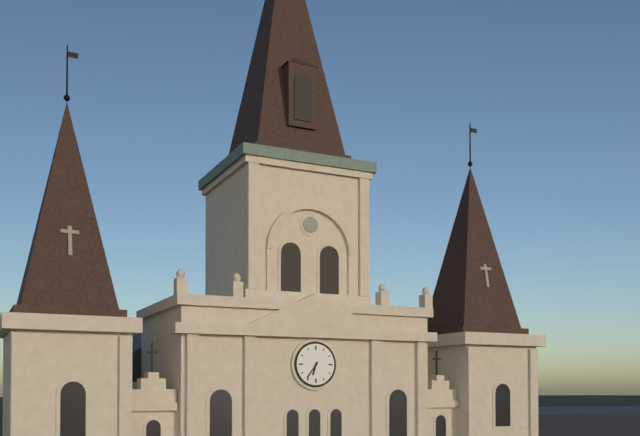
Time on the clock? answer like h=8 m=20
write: h=6 m=36
